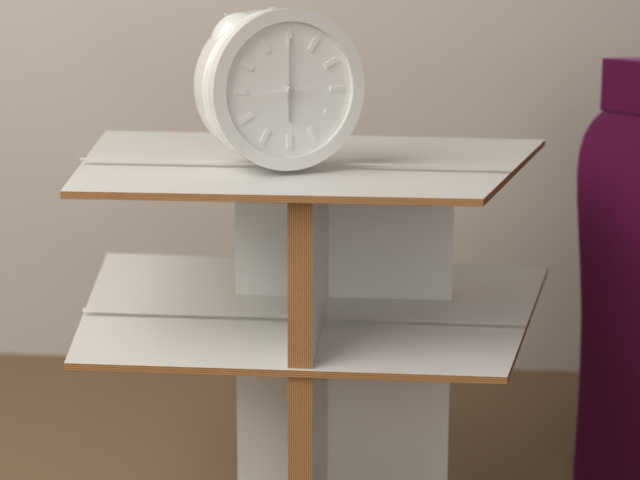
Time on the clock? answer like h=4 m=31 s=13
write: h=6 m=0 s=44
